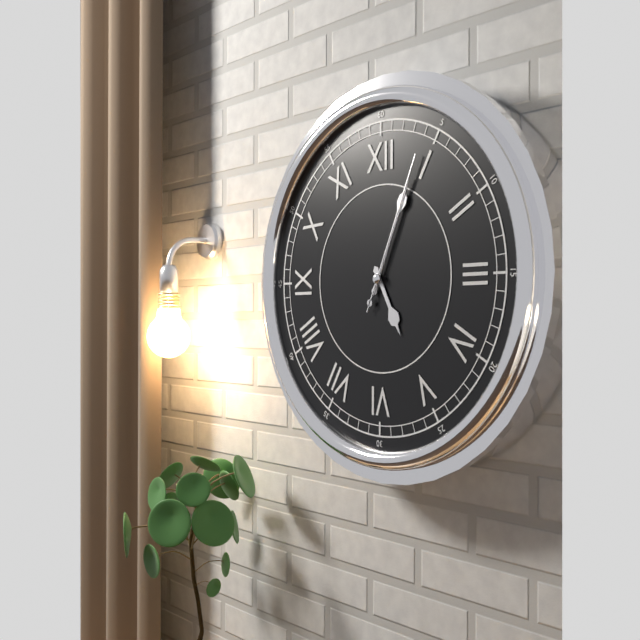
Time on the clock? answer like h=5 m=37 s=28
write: h=5 m=4 s=4
